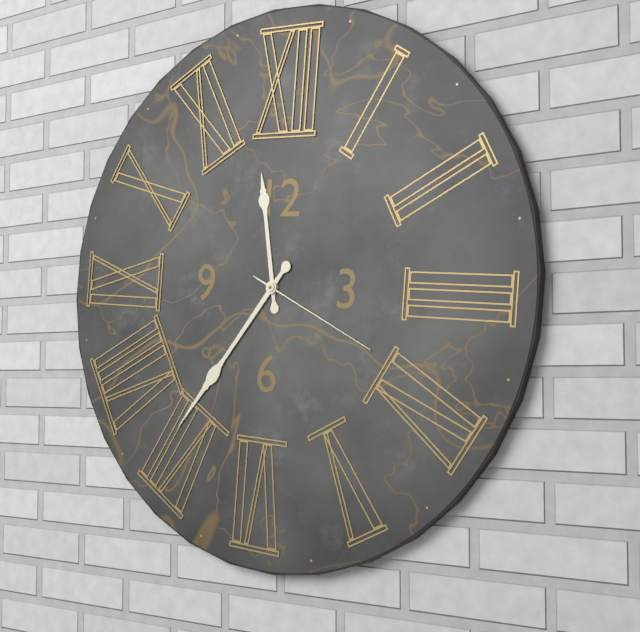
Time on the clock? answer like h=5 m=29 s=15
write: h=11 m=36 s=19
